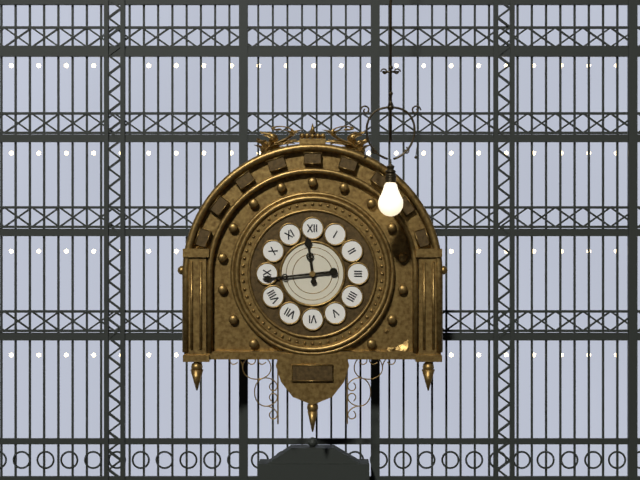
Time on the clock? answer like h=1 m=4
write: h=11 m=44
